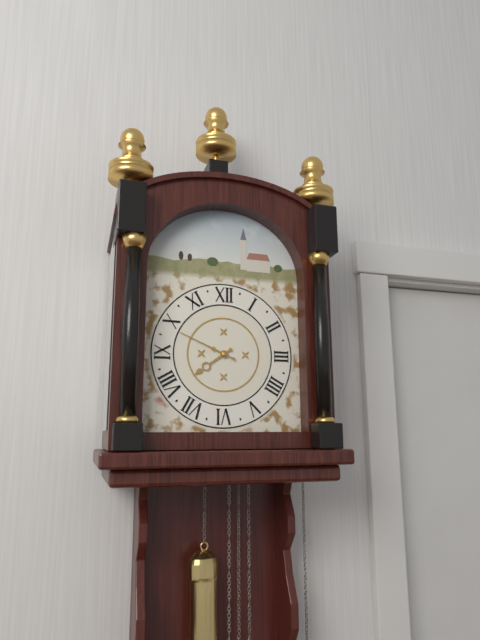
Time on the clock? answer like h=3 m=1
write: h=7 m=49
